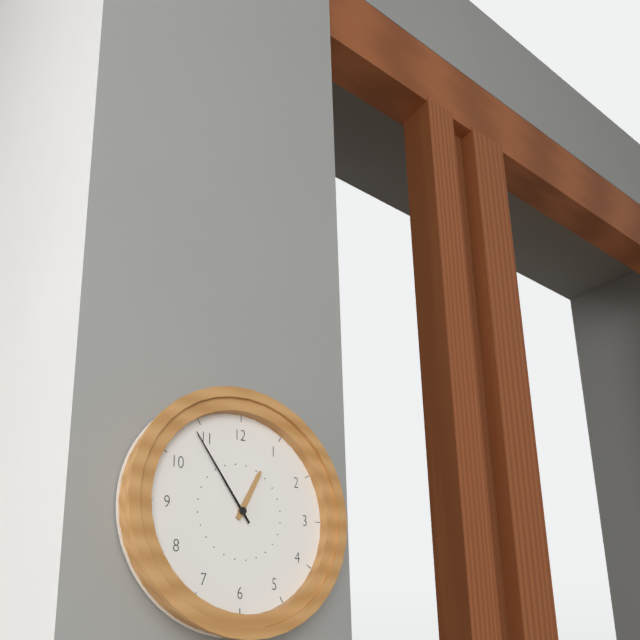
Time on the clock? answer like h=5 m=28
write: h=12 m=54
